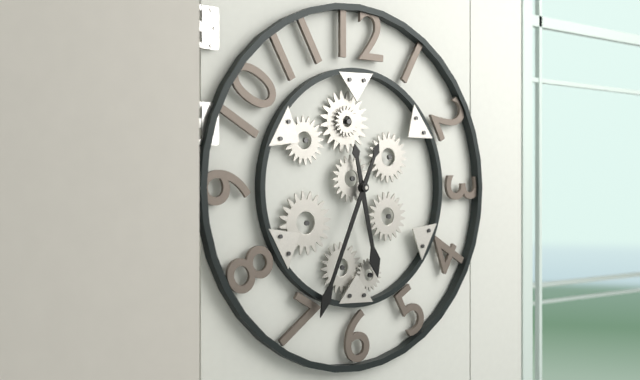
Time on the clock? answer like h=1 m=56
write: h=5 m=34
